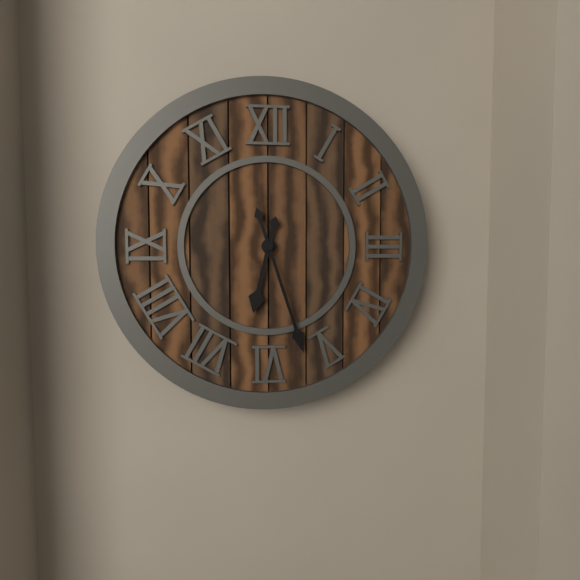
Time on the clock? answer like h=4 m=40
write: h=6 m=27
